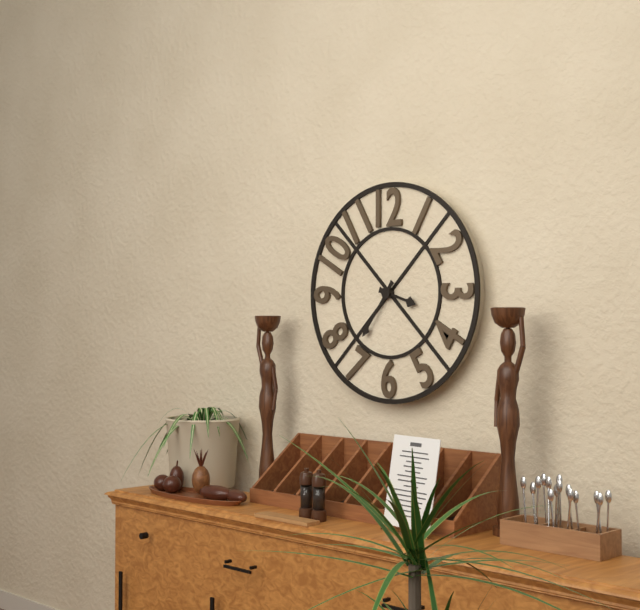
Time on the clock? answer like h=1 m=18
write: h=3 m=36
